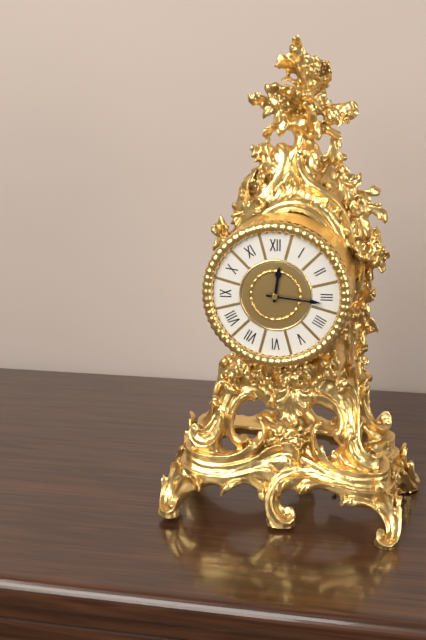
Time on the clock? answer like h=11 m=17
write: h=12 m=16
